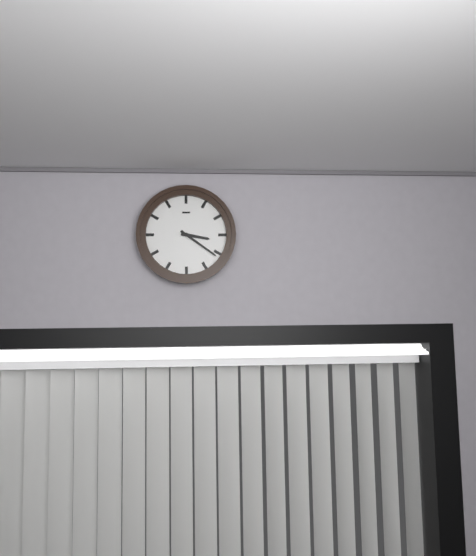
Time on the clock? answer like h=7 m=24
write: h=3 m=21
